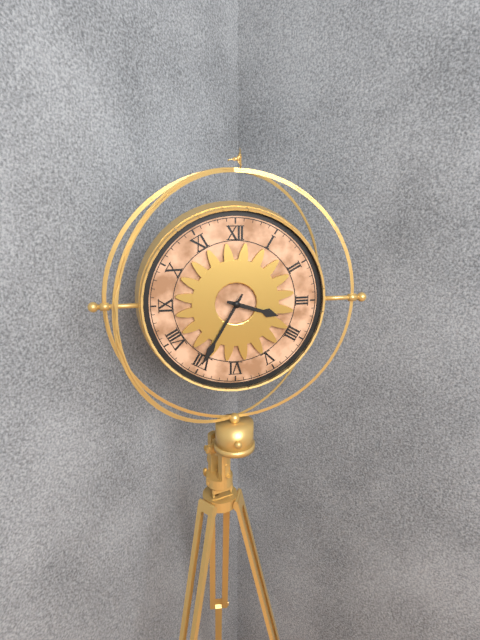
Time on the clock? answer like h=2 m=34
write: h=3 m=35
